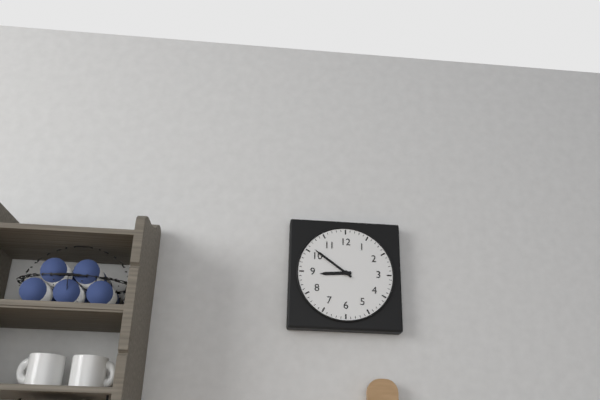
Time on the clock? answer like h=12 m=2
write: h=8 m=51
